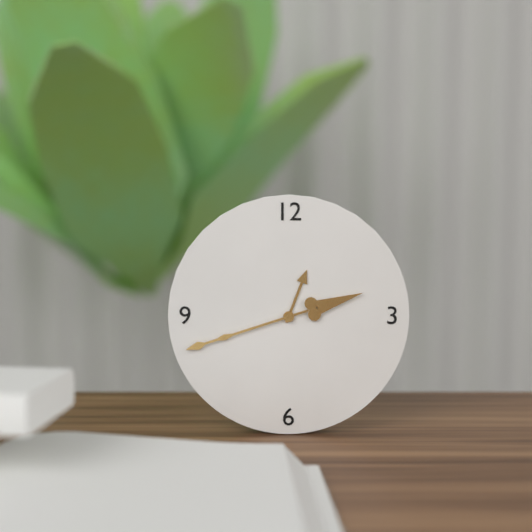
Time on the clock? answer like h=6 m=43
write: h=12 m=42
